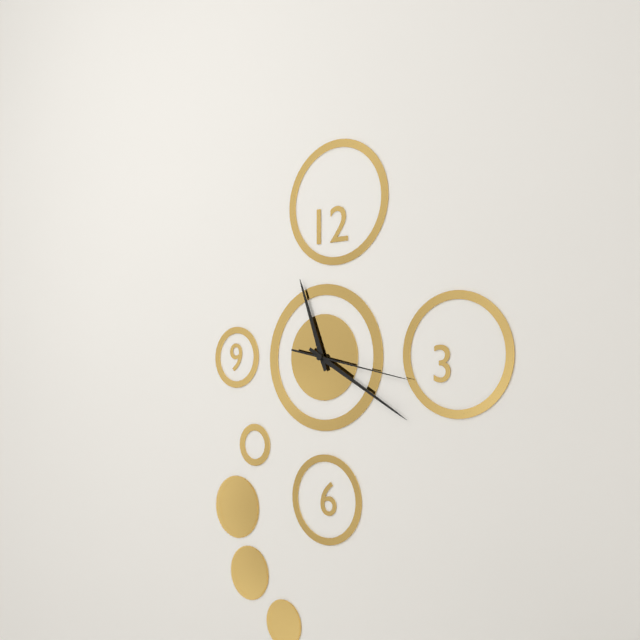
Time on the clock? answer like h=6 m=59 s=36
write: h=11 m=20 s=17
